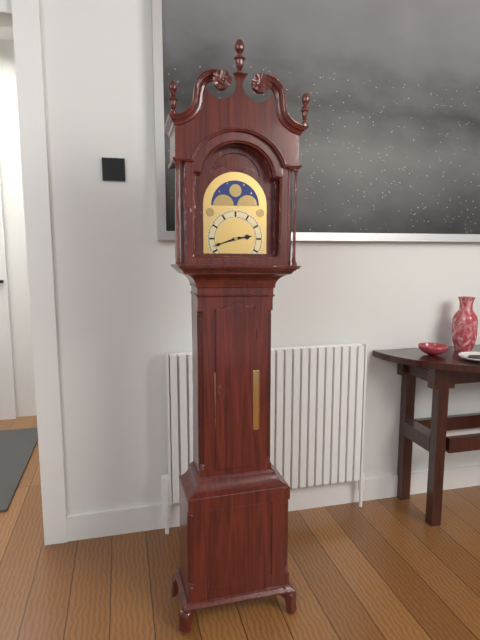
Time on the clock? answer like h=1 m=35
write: h=2 m=42
